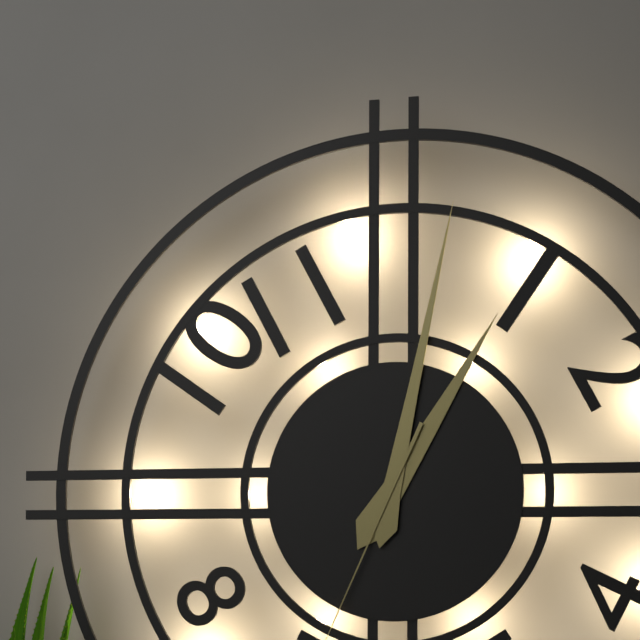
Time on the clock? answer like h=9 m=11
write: h=1 m=2
